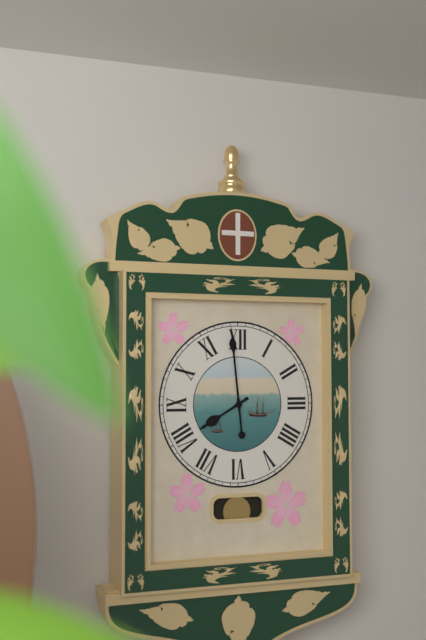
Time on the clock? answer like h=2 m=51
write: h=7 m=59
